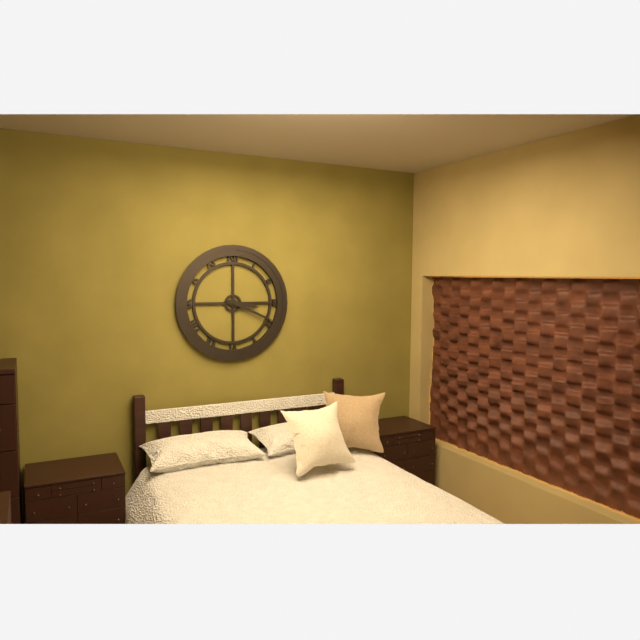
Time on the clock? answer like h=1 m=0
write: h=3 m=19
